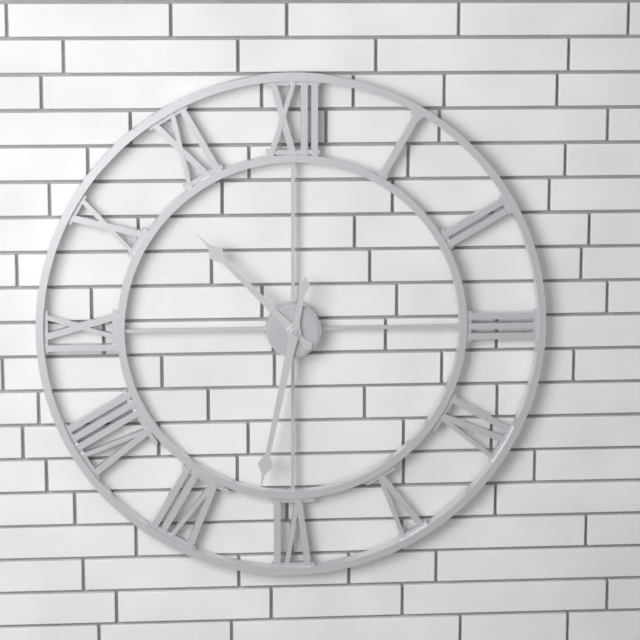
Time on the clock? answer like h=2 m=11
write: h=10 m=32
